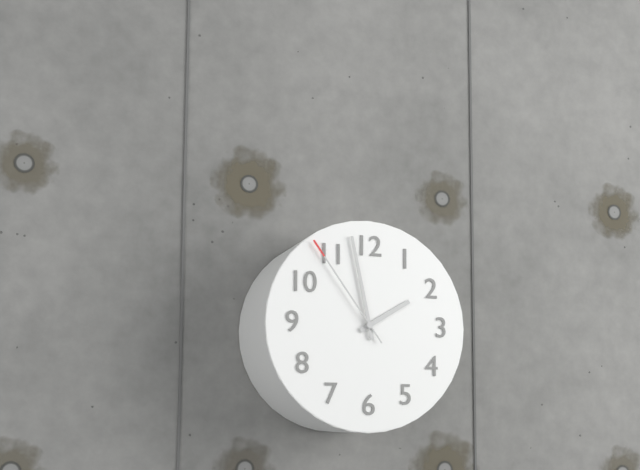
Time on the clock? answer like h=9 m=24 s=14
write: h=1 m=58 s=54
